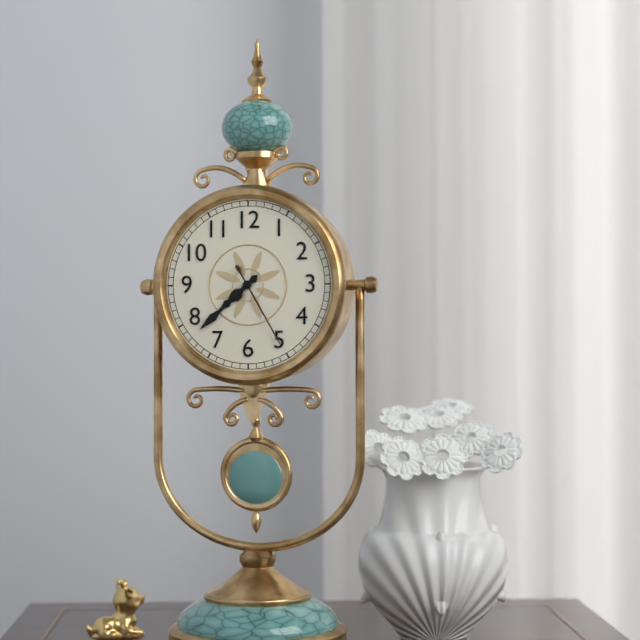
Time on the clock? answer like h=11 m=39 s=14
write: h=7 m=38 s=25
